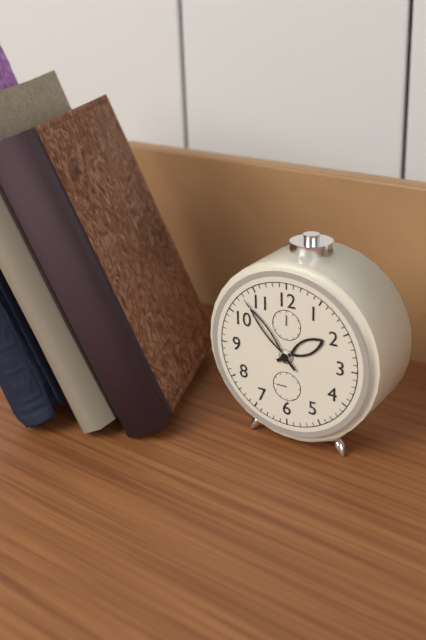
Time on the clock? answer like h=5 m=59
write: h=1 m=53
